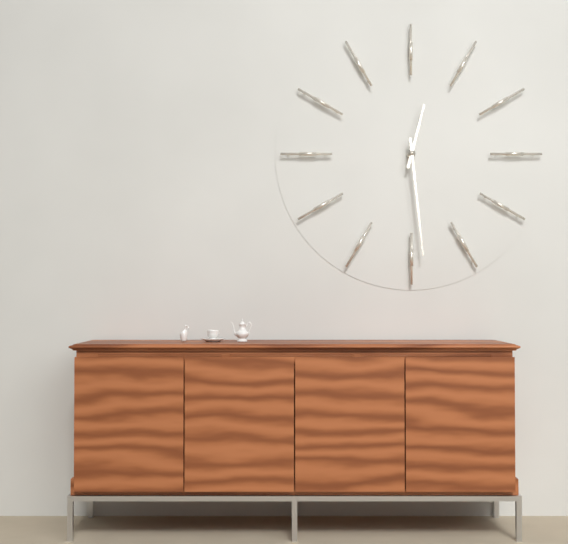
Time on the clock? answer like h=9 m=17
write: h=12 m=29
